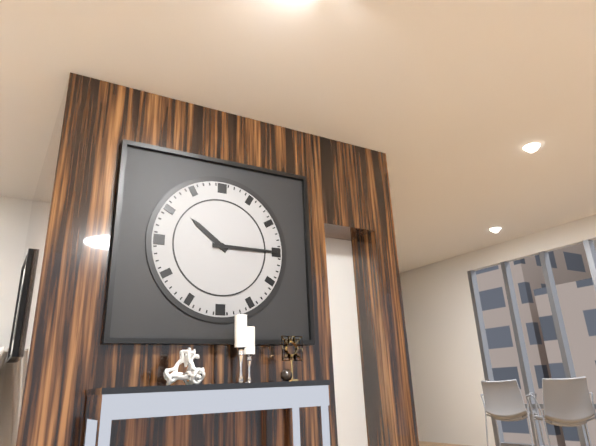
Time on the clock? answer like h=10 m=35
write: h=10 m=15
